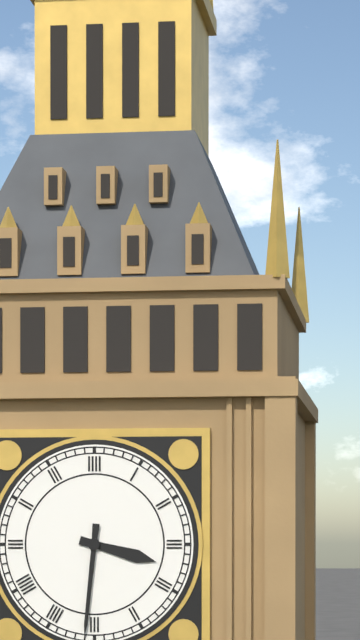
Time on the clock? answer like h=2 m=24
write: h=3 m=31
